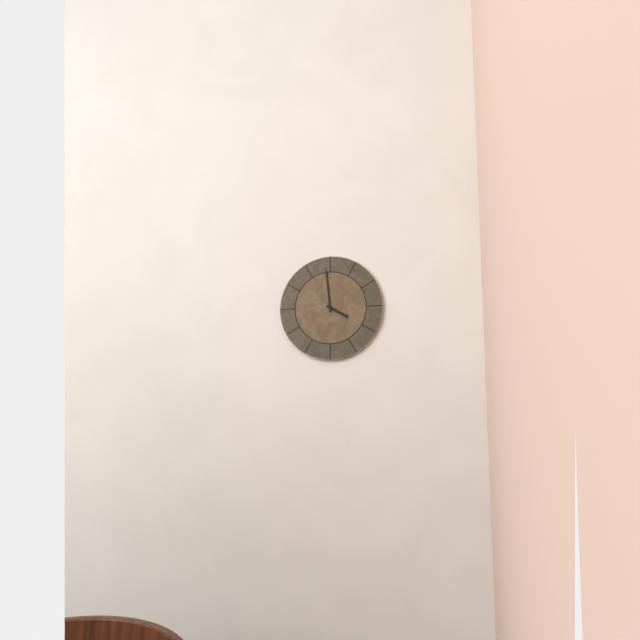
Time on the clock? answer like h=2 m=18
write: h=3 m=59
